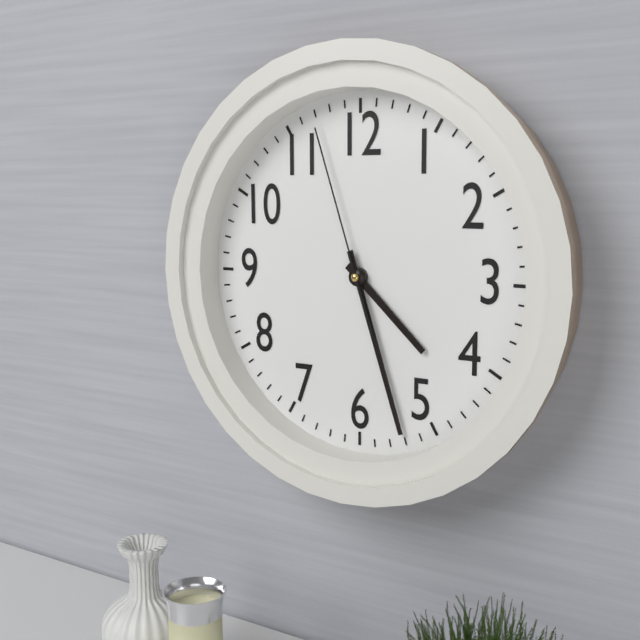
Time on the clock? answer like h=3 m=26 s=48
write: h=4 m=27 s=57
